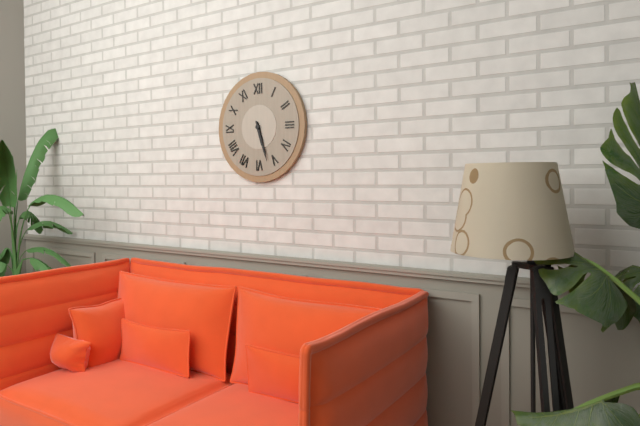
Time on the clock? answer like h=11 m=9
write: h=5 m=27
